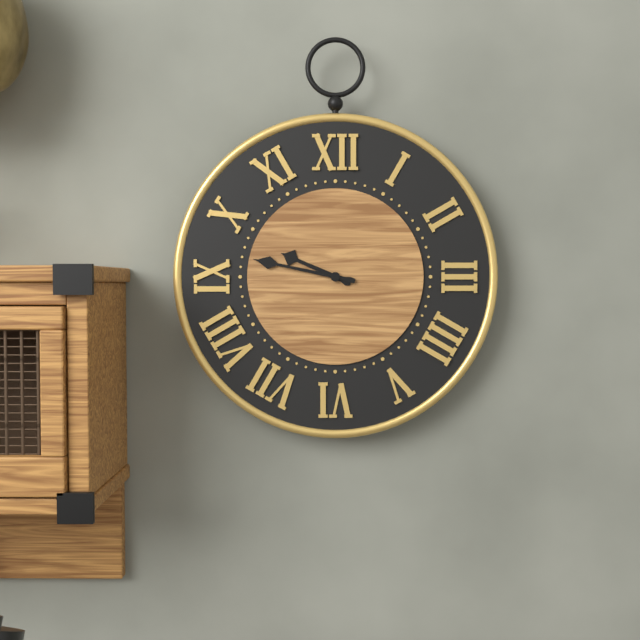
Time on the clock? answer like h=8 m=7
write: h=9 m=47
